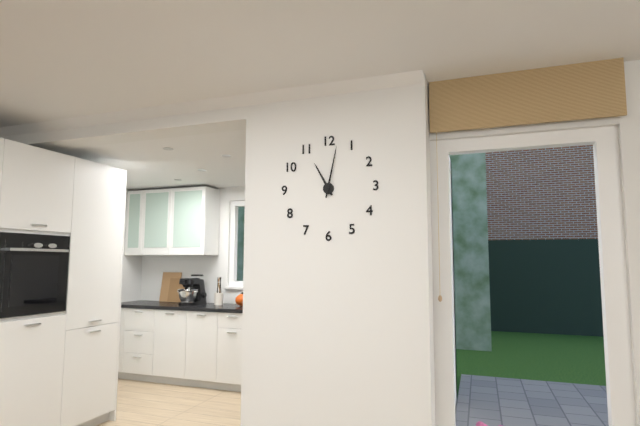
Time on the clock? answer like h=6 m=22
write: h=11 m=2
